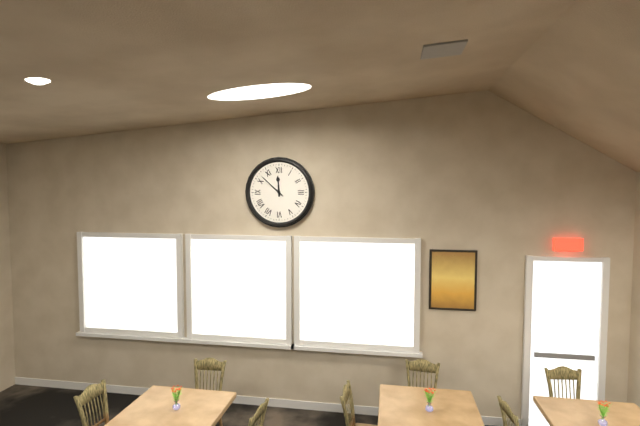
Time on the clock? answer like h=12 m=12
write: h=11 m=52
